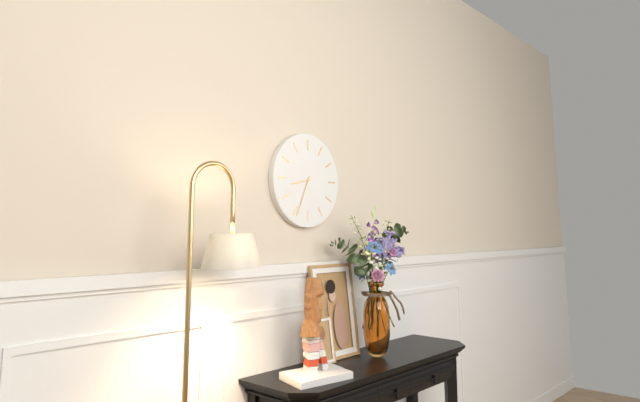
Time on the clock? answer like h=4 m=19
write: h=8 m=34
